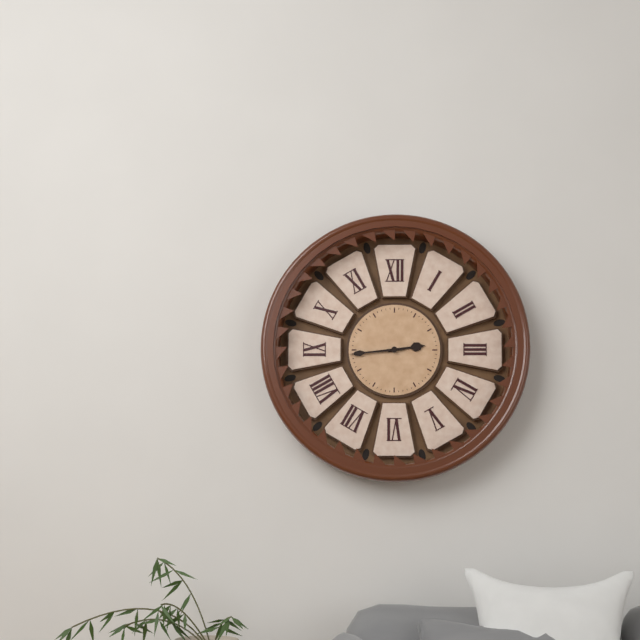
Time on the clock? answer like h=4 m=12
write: h=2 m=44
